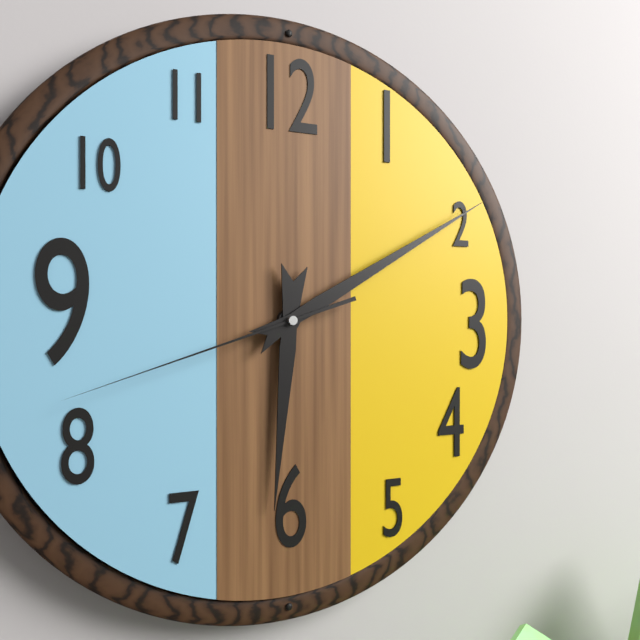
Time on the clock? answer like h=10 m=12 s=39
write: h=6 m=10 s=42
